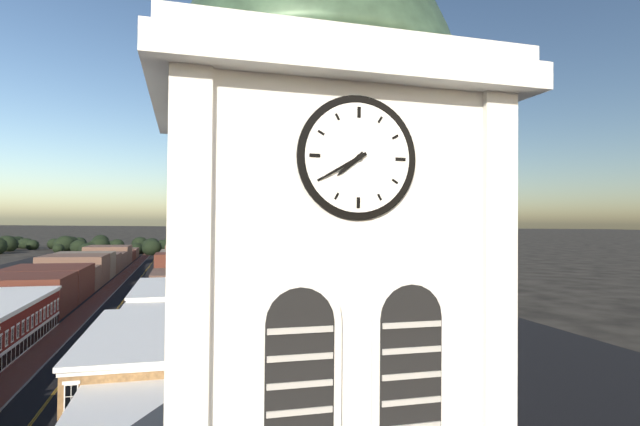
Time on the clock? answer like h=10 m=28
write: h=7 m=40
